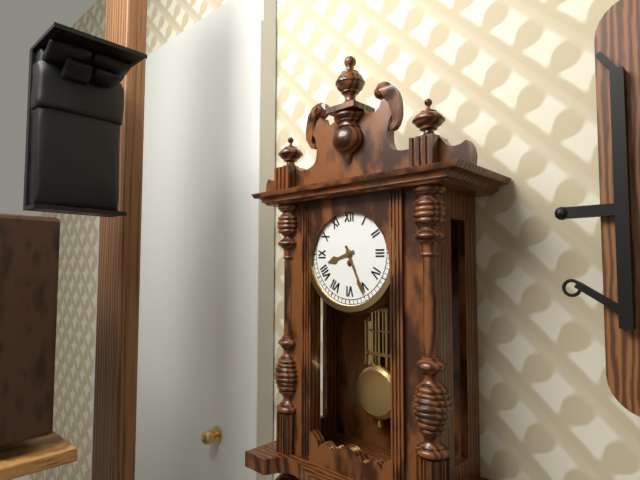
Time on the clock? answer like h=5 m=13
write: h=8 m=26
